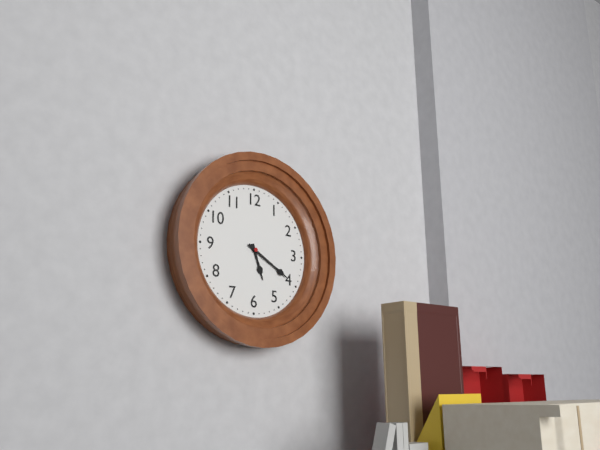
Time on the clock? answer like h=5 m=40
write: h=5 m=20
